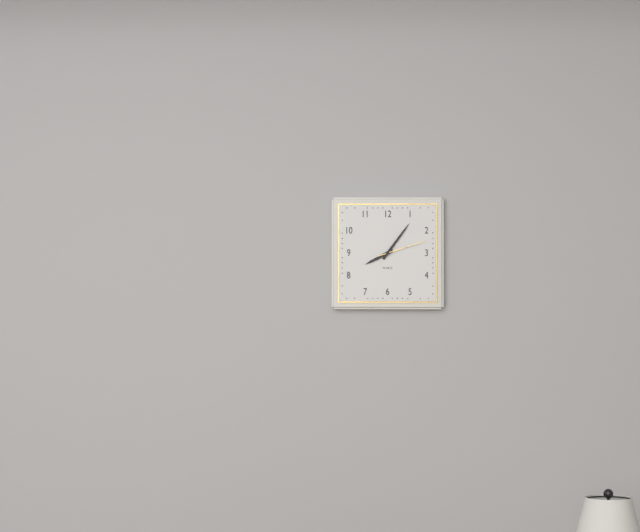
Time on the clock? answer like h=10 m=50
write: h=8 m=6
